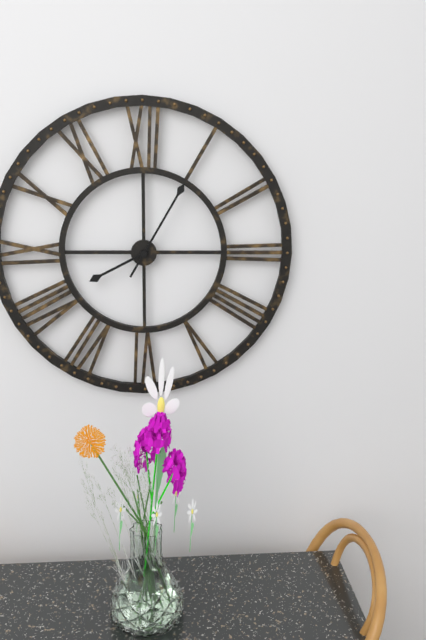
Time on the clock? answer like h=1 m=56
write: h=8 m=5
